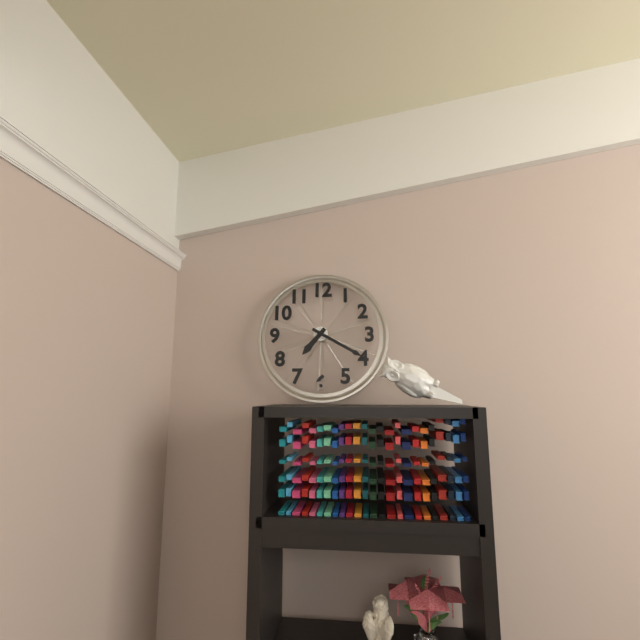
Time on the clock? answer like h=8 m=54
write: h=7 m=20
